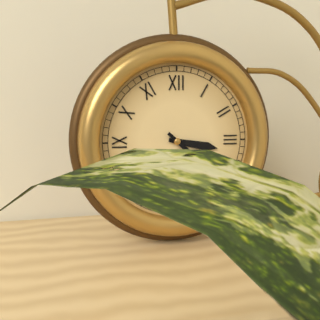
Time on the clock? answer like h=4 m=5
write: h=3 m=22
